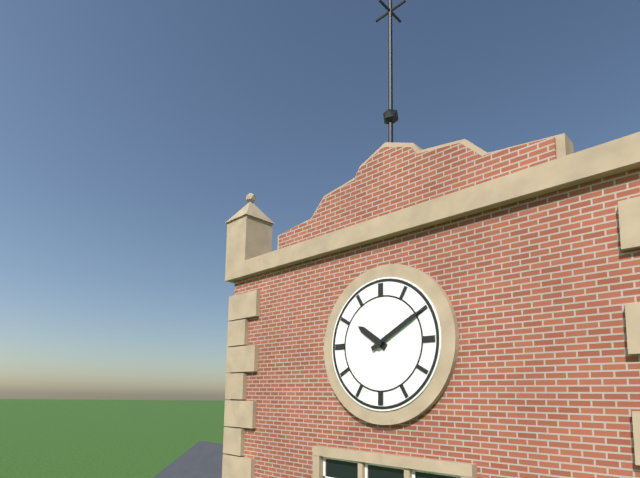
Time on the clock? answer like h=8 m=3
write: h=10 m=10
